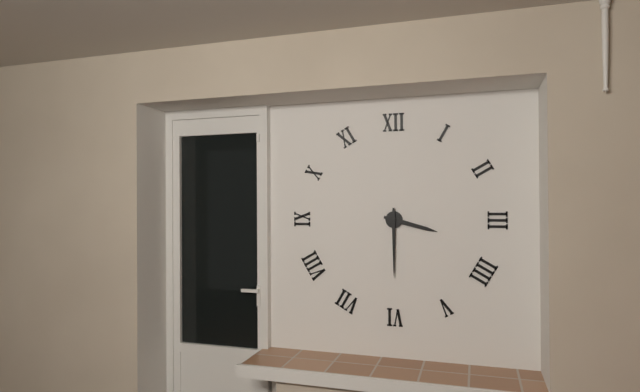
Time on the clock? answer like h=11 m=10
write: h=3 m=30
